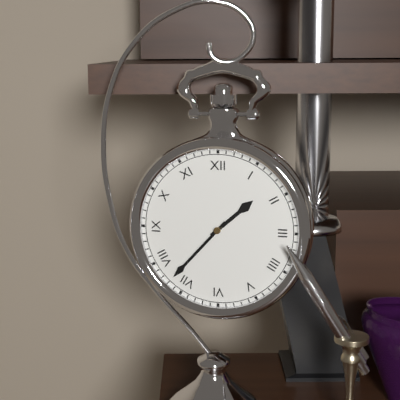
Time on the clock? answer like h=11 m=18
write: h=1 m=37
